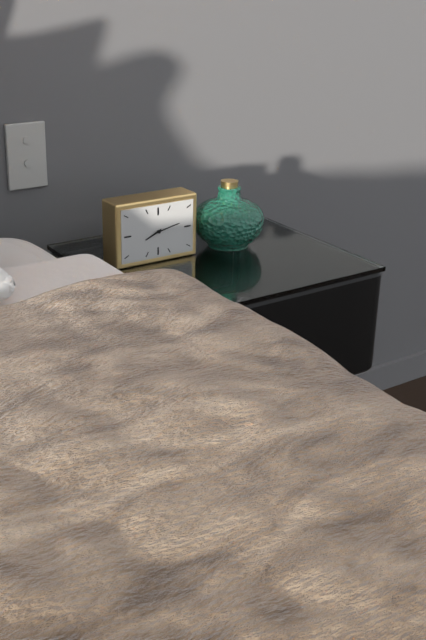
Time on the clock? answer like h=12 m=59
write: h=8 m=13
